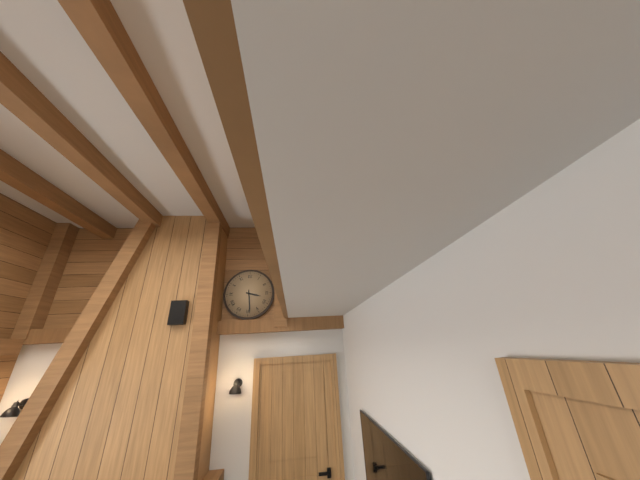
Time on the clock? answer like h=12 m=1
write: h=3 m=29
